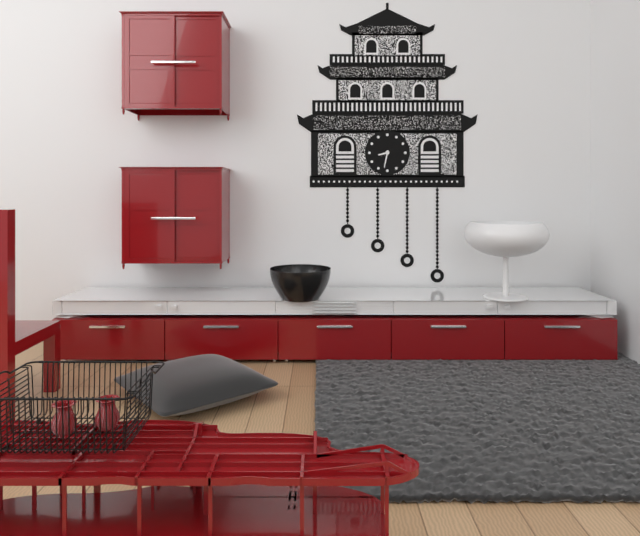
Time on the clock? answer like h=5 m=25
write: h=8 m=32
